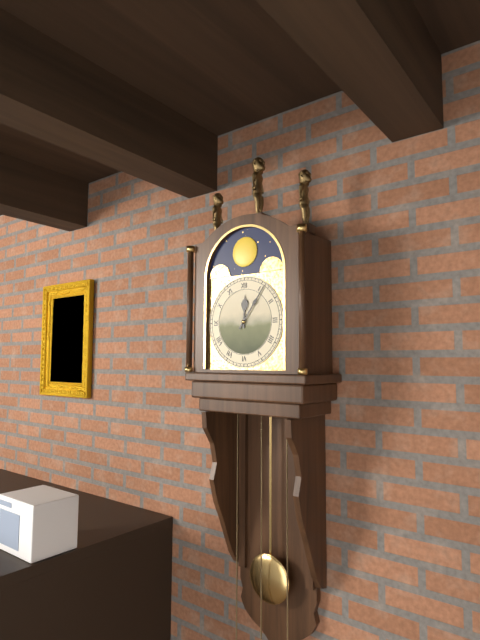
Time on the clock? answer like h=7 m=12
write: h=12 m=6
